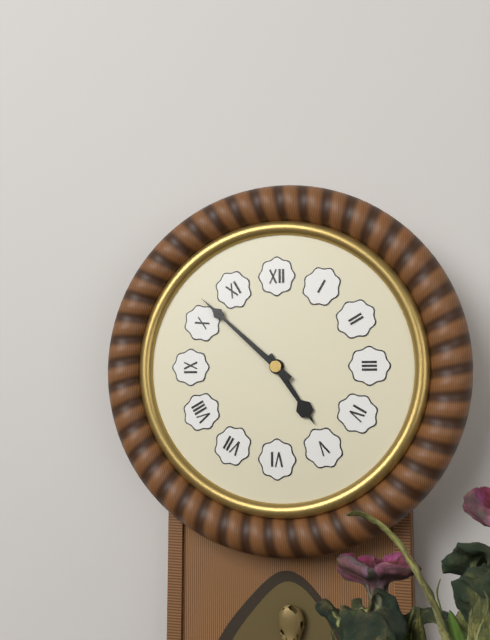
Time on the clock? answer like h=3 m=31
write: h=4 m=52
